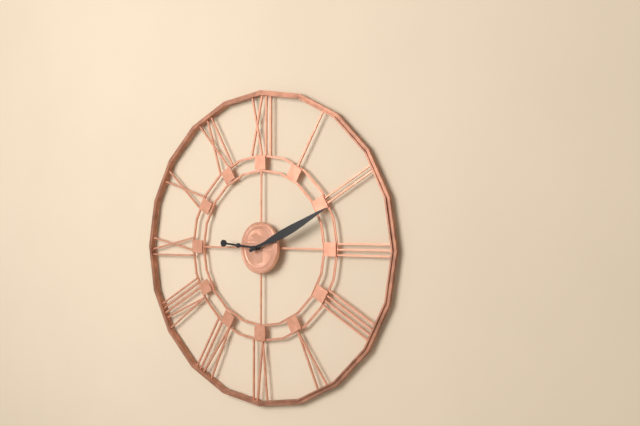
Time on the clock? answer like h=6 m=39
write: h=9 m=11
